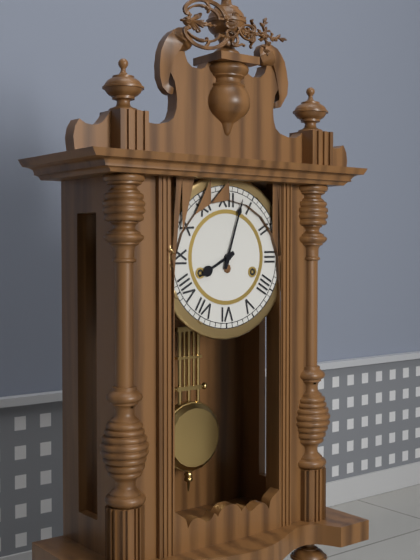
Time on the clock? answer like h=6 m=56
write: h=8 m=3
